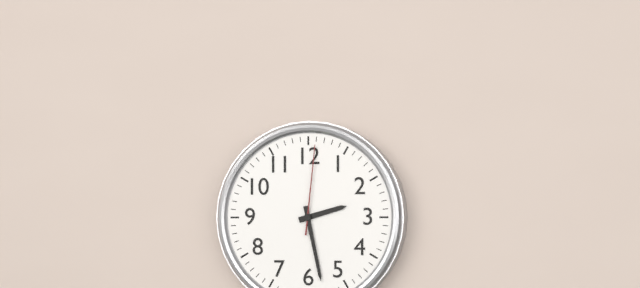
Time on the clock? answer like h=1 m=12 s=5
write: h=2 m=28 s=1
